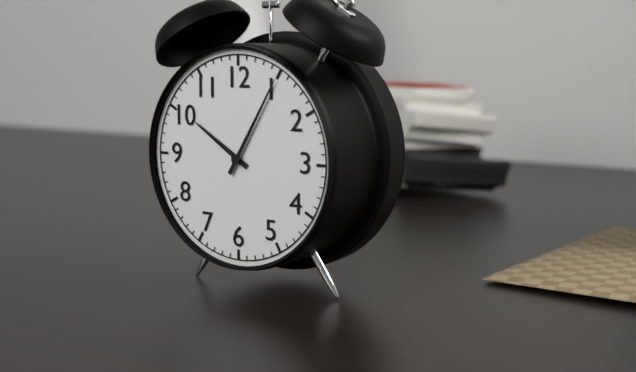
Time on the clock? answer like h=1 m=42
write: h=10 m=5
